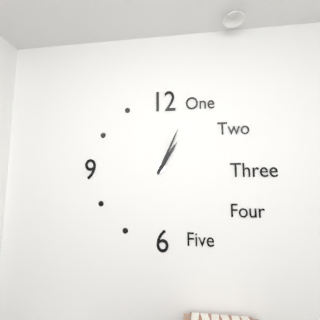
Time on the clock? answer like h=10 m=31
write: h=1 m=4
